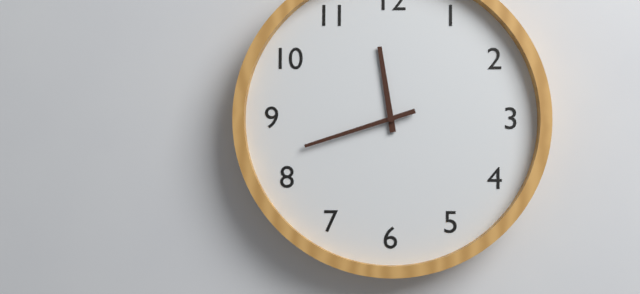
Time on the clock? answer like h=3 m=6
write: h=11 m=42
